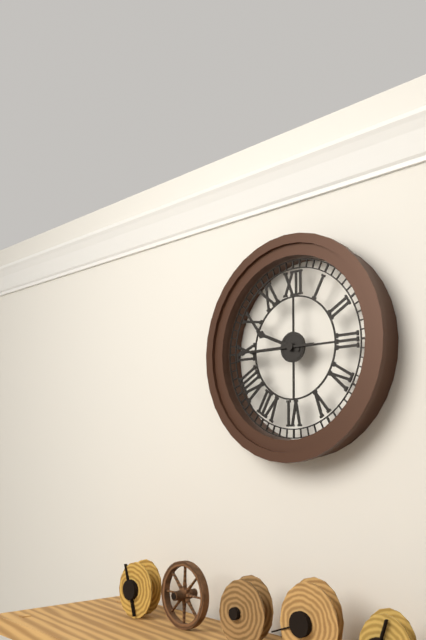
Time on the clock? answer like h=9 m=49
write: h=9 m=45
